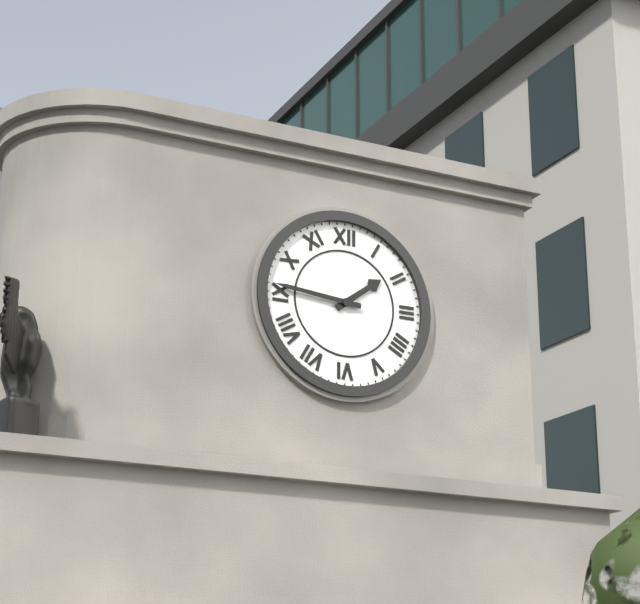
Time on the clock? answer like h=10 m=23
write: h=1 m=46
